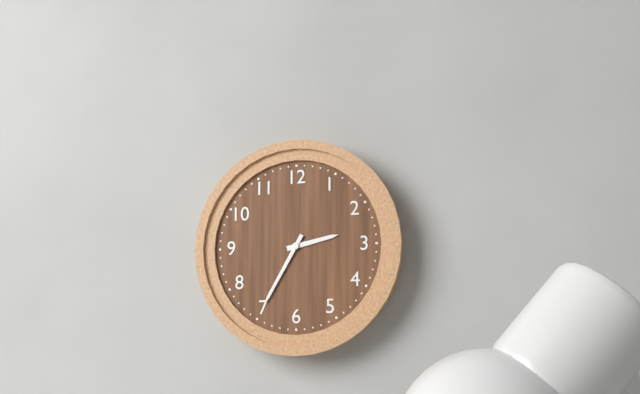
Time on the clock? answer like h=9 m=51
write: h=2 m=35
